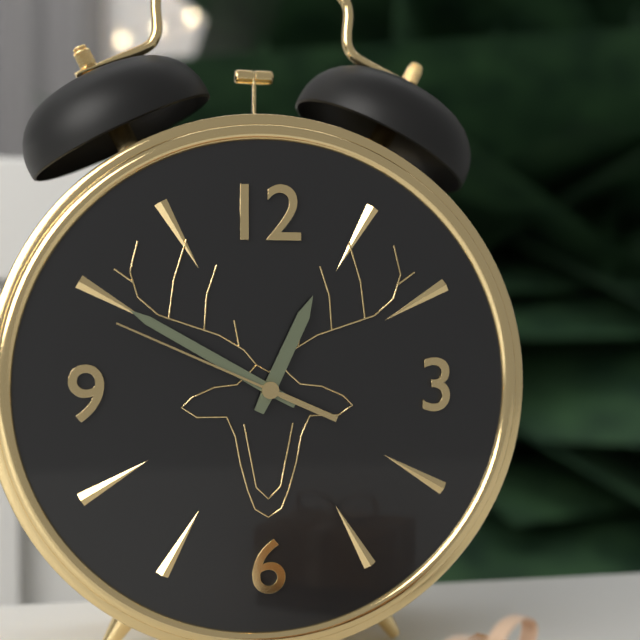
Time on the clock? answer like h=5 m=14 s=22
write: h=12 m=50 s=49
